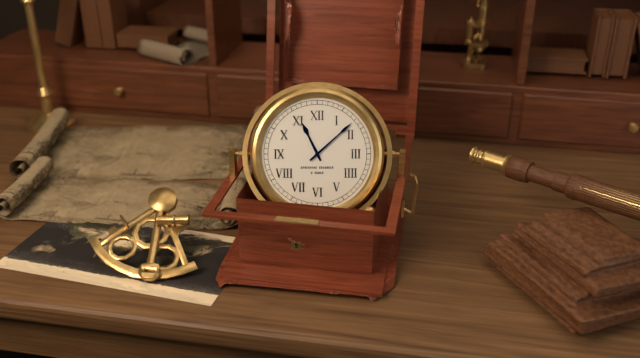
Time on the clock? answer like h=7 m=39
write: h=11 m=8
